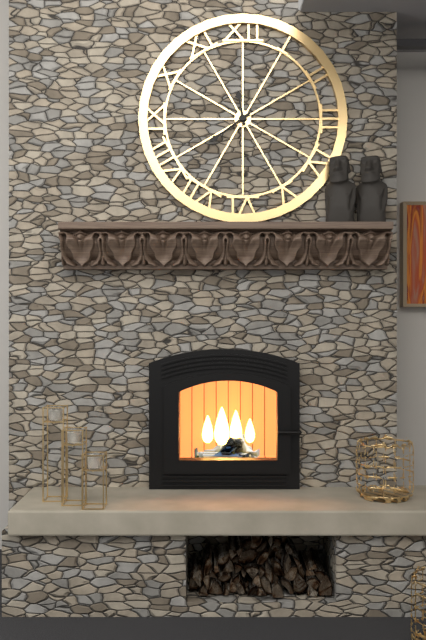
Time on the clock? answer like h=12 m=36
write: h=11 m=39
